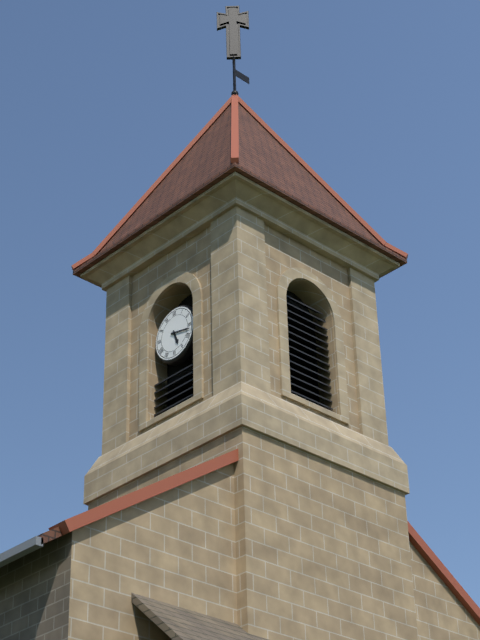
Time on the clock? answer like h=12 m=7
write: h=5 m=17
